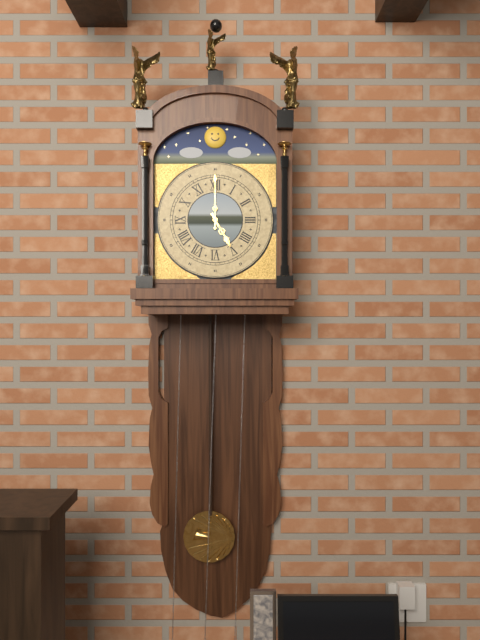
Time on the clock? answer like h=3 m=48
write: h=5 m=0
